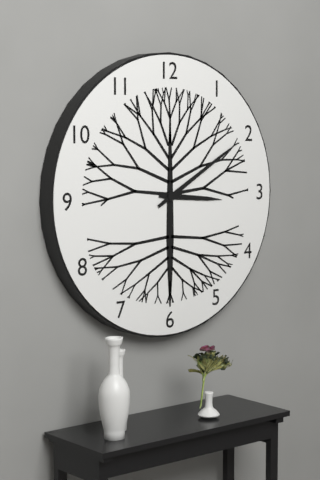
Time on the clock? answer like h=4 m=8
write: h=3 m=10
